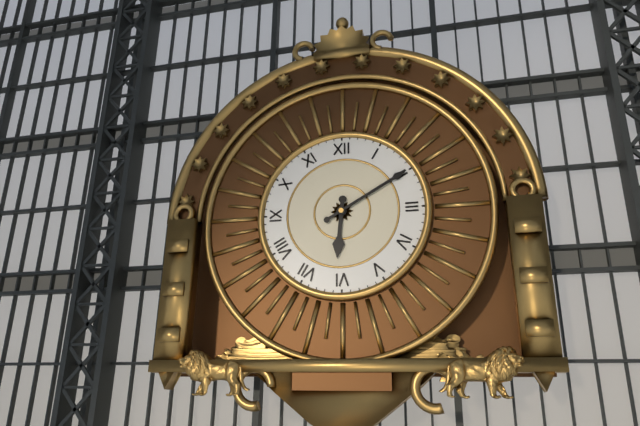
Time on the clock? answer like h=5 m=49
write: h=6 m=10
